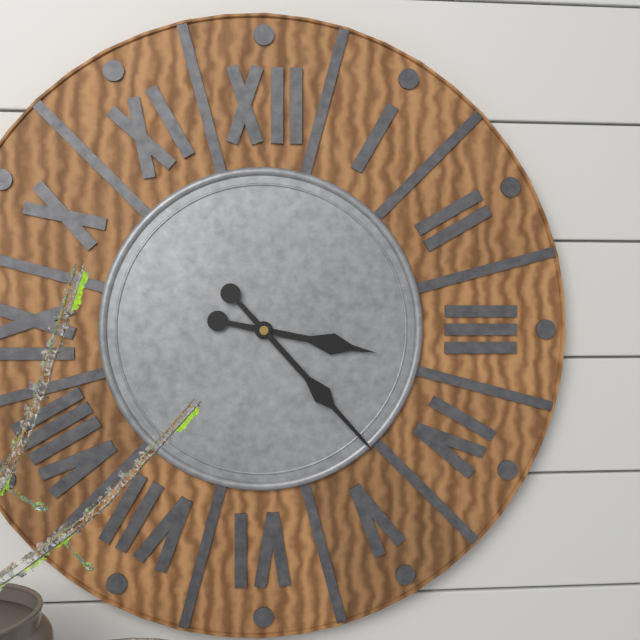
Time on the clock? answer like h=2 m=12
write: h=3 m=23
